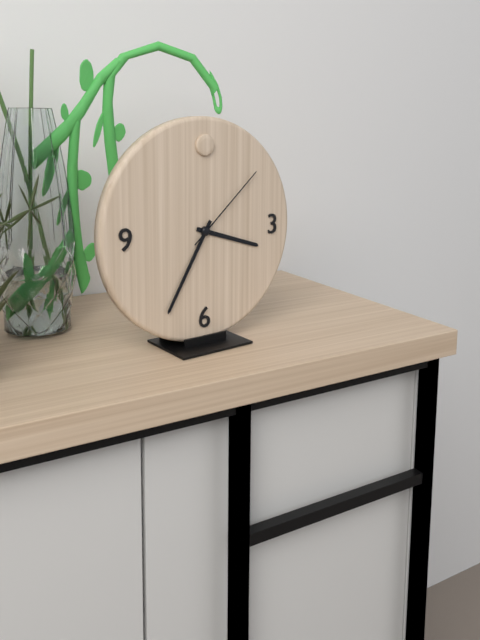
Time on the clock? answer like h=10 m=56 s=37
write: h=3 m=35 s=8
